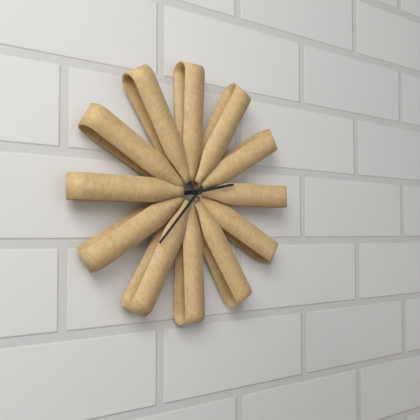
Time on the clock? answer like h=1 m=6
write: h=2 m=37
